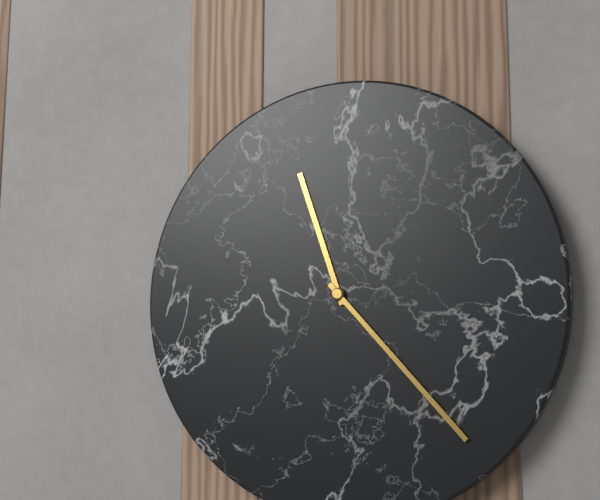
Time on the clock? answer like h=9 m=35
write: h=11 m=23
